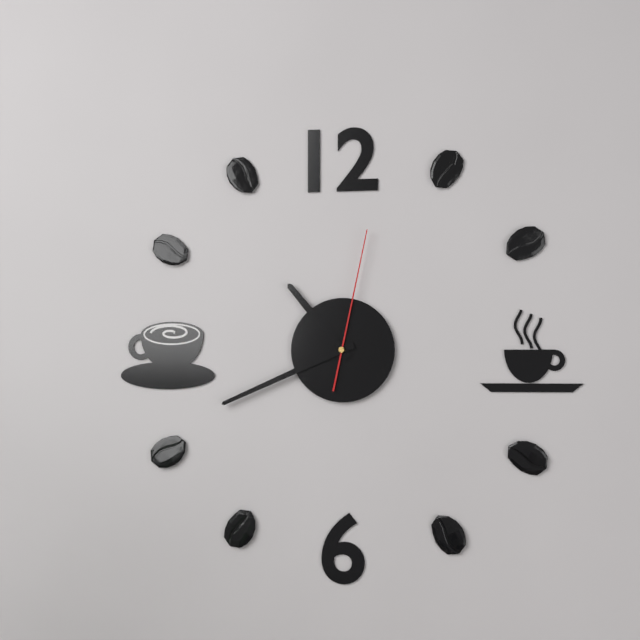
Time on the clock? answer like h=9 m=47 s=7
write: h=10 m=41 s=2
